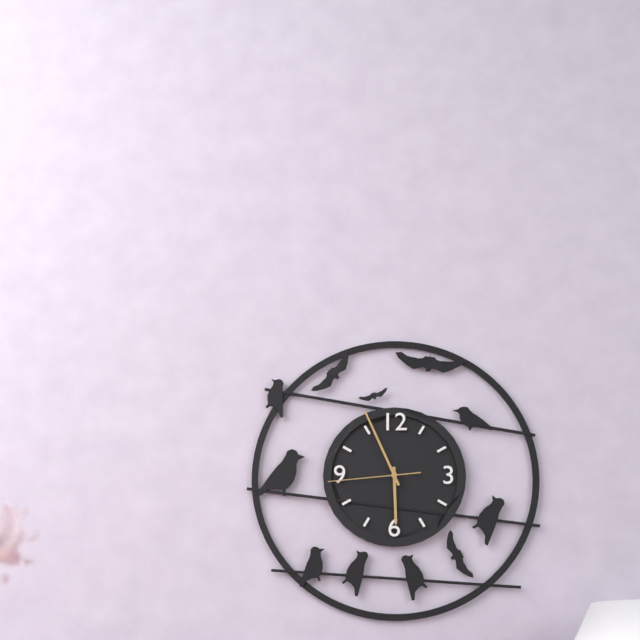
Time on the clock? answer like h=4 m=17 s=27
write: h=5 m=56 s=44
